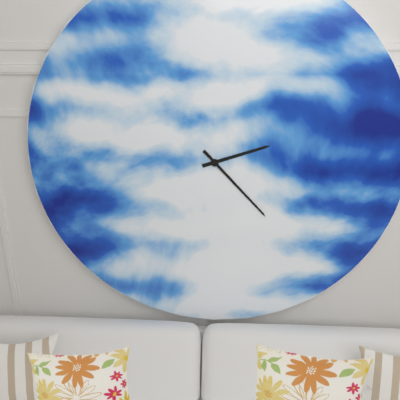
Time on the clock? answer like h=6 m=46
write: h=2 m=23
